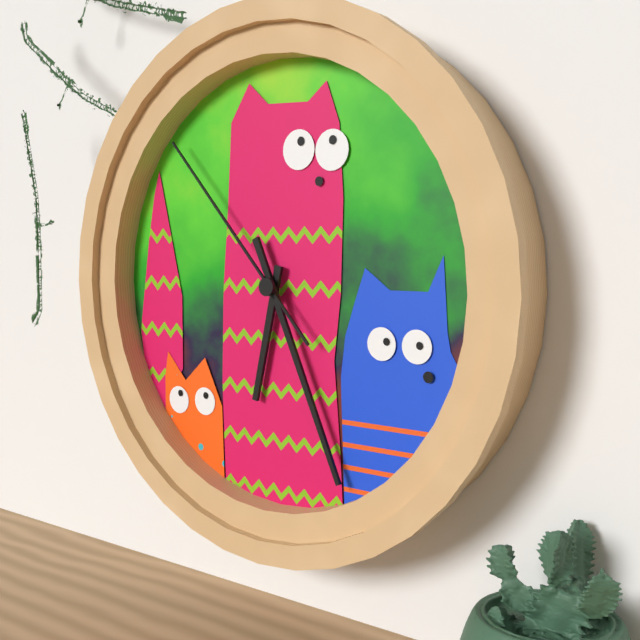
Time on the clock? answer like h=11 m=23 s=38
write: h=6 m=26 s=53
